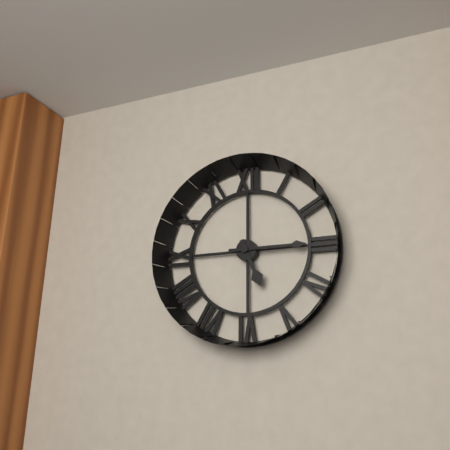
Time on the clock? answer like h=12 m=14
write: h=5 m=15
